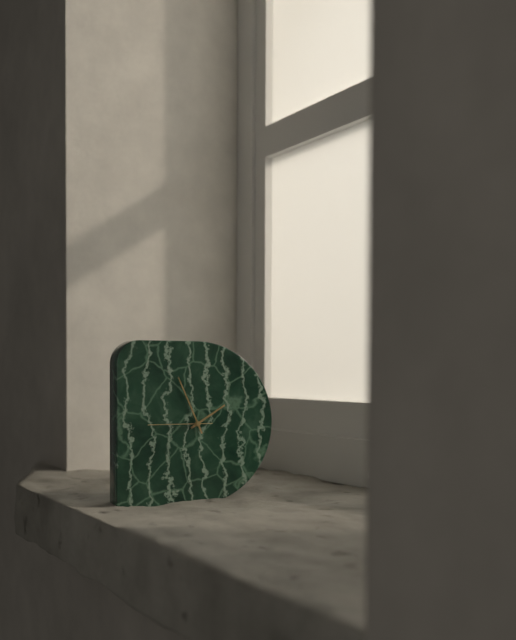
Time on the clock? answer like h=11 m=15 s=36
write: h=1 m=56 s=45
